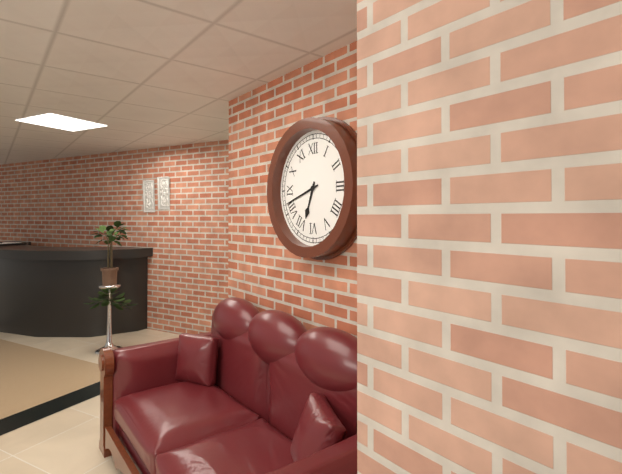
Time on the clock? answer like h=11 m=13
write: h=6 m=42
